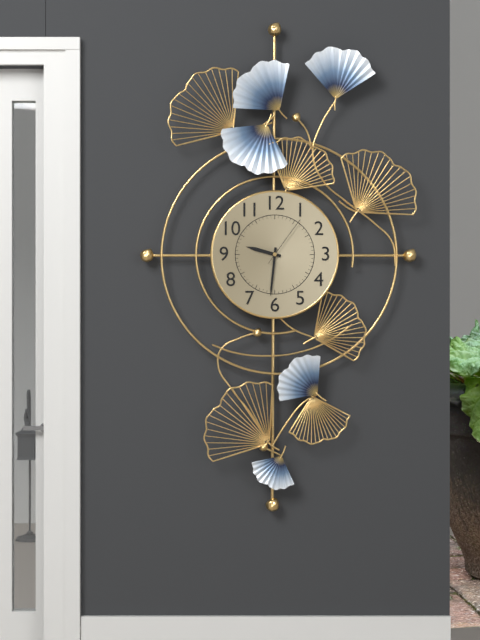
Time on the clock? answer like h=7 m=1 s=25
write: h=9 m=31 s=6
